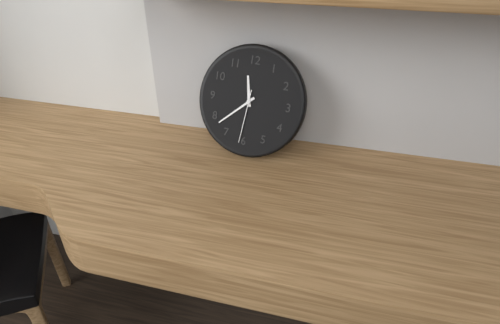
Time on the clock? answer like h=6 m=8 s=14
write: h=11 m=38 s=31
